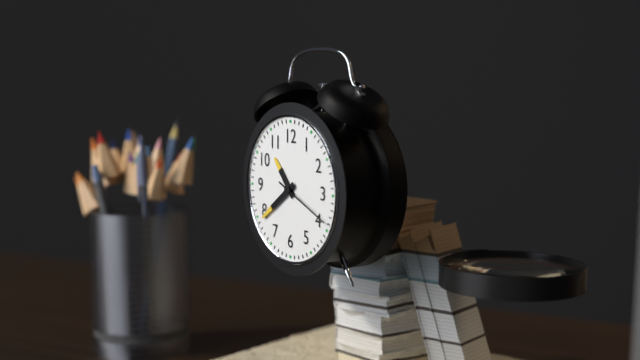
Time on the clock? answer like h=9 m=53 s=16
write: h=10 m=39 s=19
